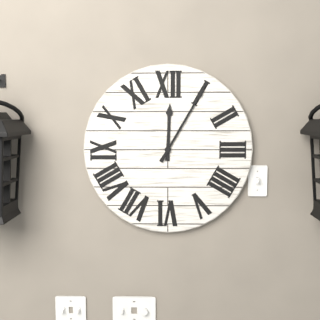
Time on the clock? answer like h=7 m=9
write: h=12 m=5
